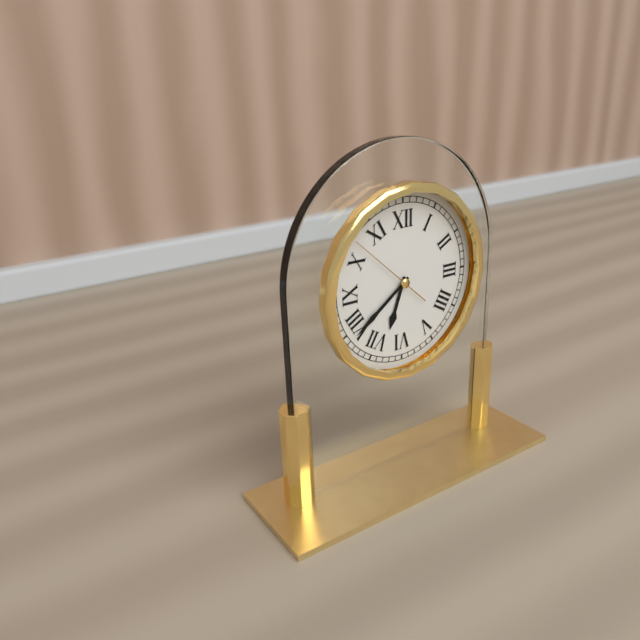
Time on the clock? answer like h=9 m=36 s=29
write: h=6 m=39 s=52
